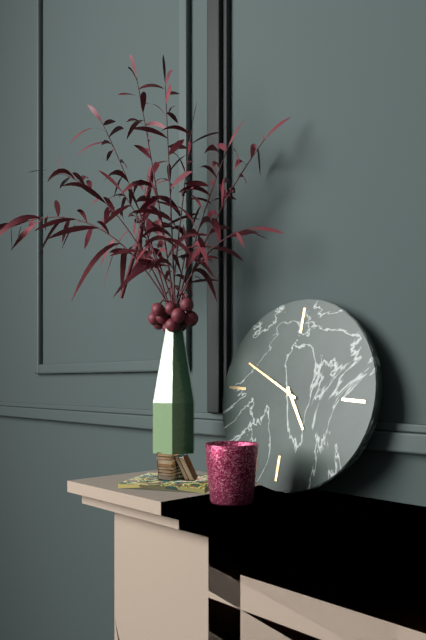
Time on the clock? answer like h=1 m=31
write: h=4 m=49
